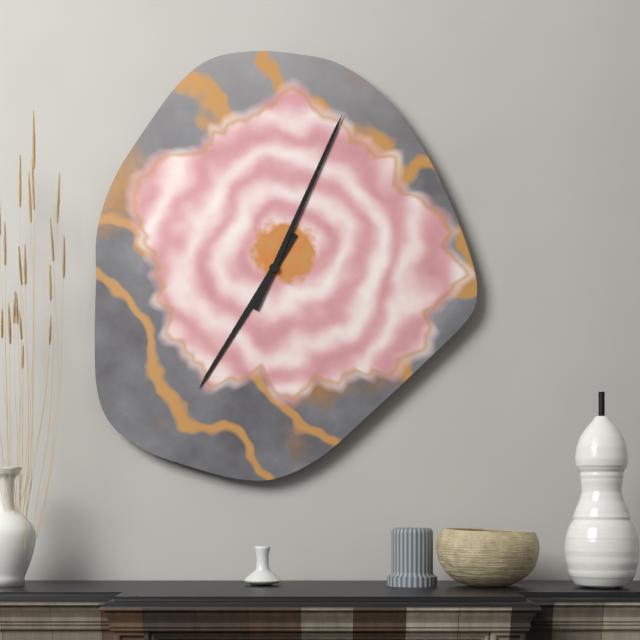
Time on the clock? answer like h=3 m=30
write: h=7 m=4
